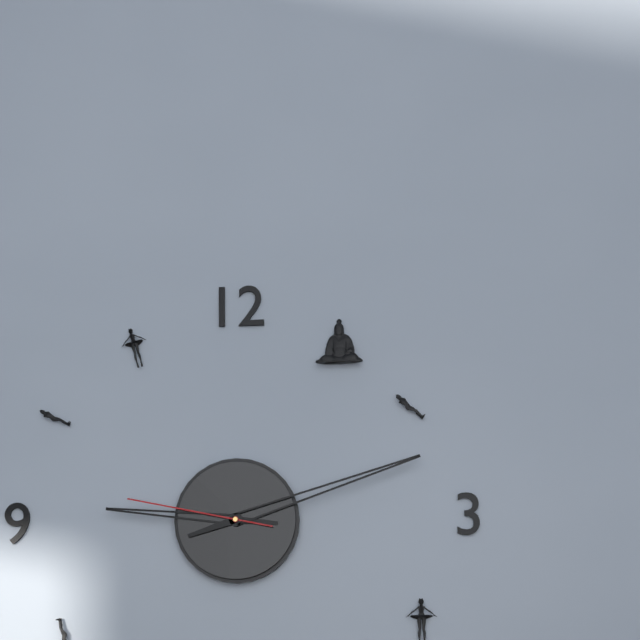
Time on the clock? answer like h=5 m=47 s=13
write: h=9 m=12 s=47
